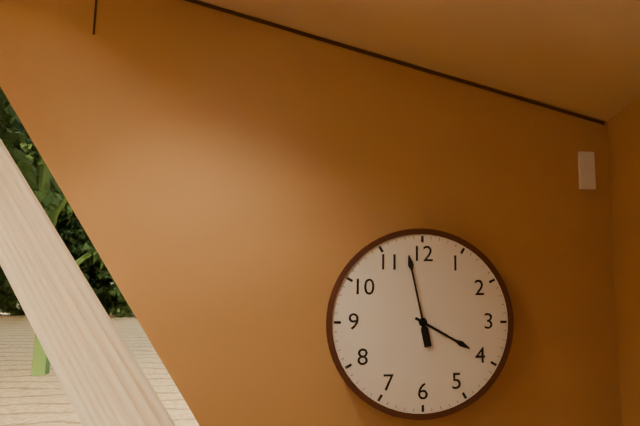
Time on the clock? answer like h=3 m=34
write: h=3 m=58
